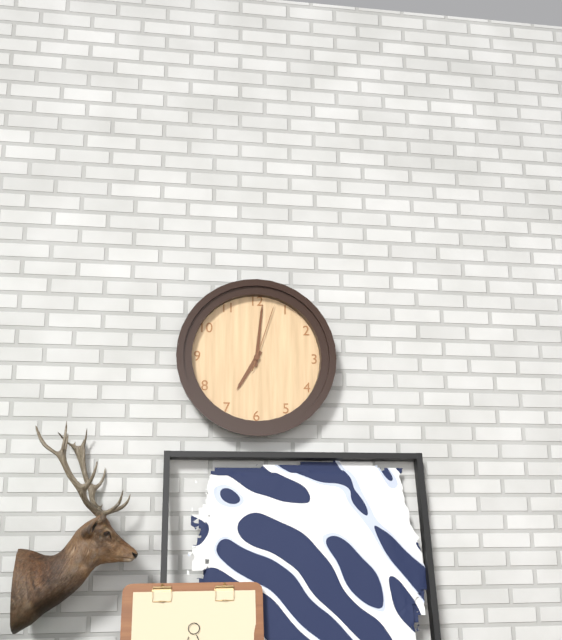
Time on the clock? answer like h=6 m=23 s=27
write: h=7 m=1 s=3
